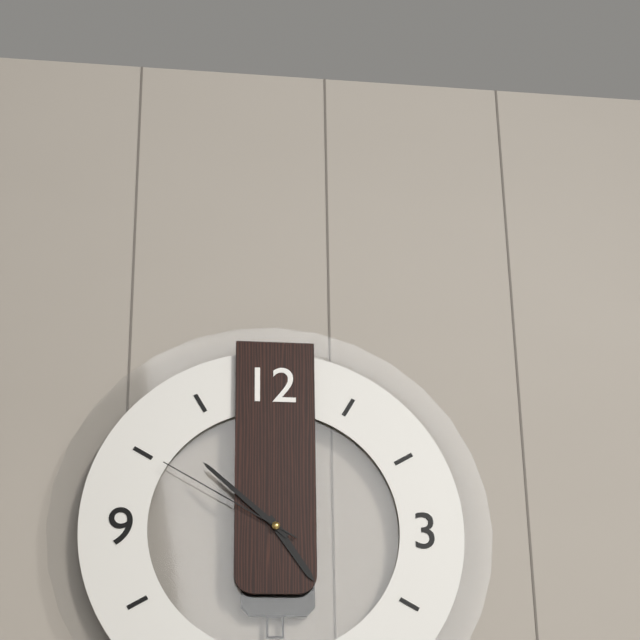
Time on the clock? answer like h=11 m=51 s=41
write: h=4 m=52 s=50
